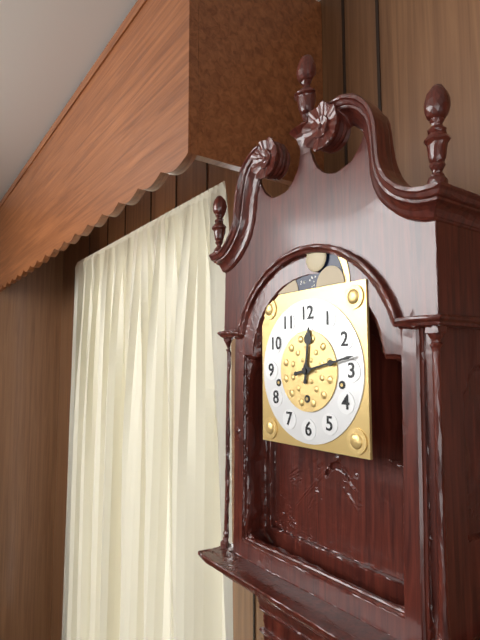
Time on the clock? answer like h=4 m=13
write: h=12 m=13
